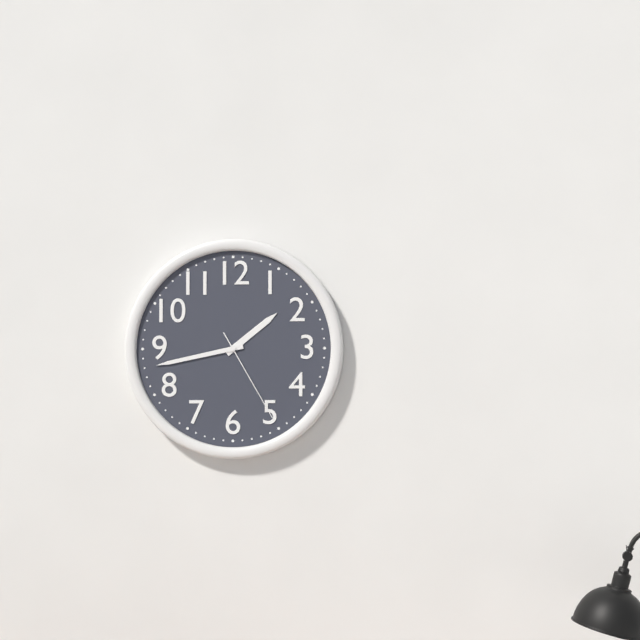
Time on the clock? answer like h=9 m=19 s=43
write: h=1 m=43 s=25
